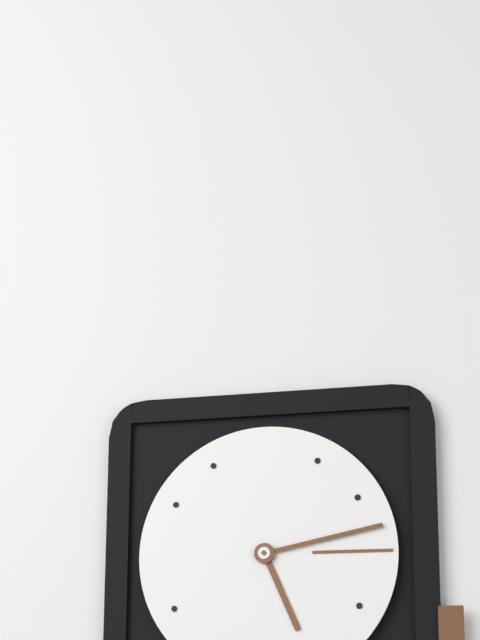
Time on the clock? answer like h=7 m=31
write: h=5 m=13
